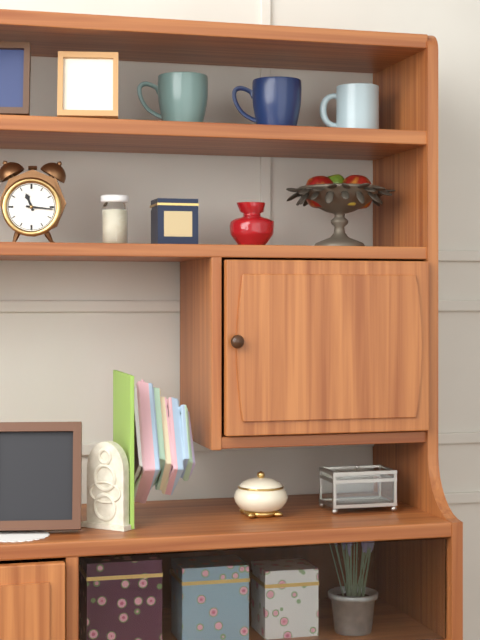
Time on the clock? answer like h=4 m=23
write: h=11 m=16
